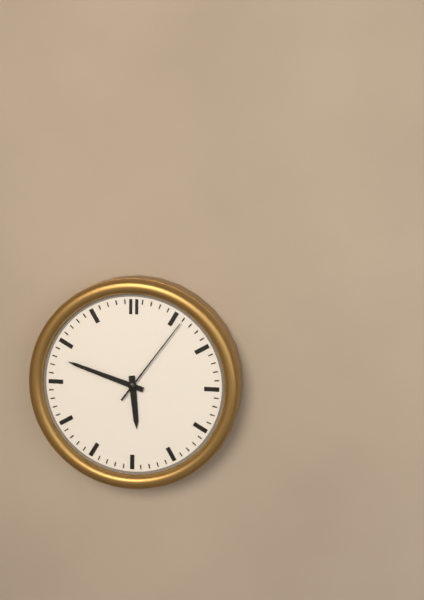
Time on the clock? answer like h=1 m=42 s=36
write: h=5 m=48 s=6
